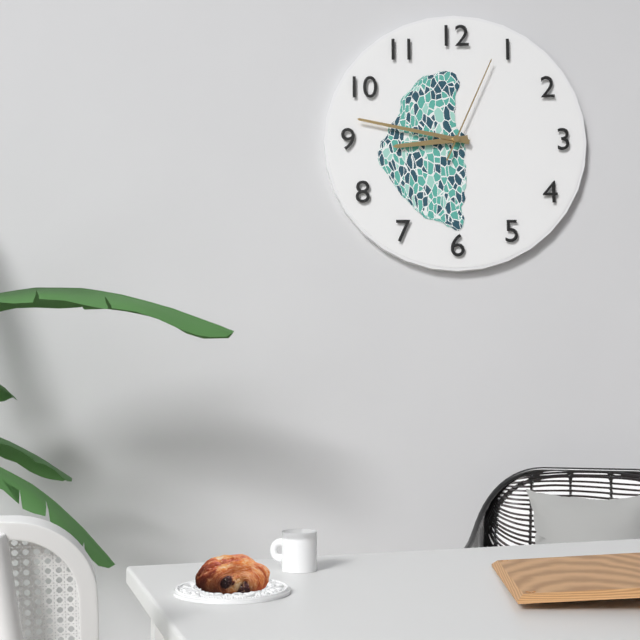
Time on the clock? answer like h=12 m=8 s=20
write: h=8 m=47 s=4
